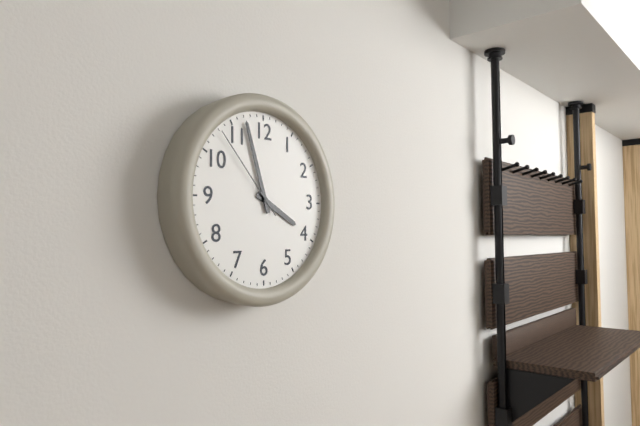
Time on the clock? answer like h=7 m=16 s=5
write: h=3 m=57 s=53
